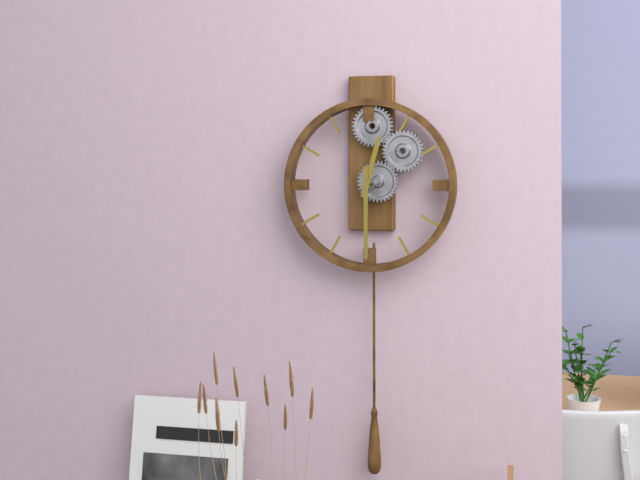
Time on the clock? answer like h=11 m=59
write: h=12 m=30
